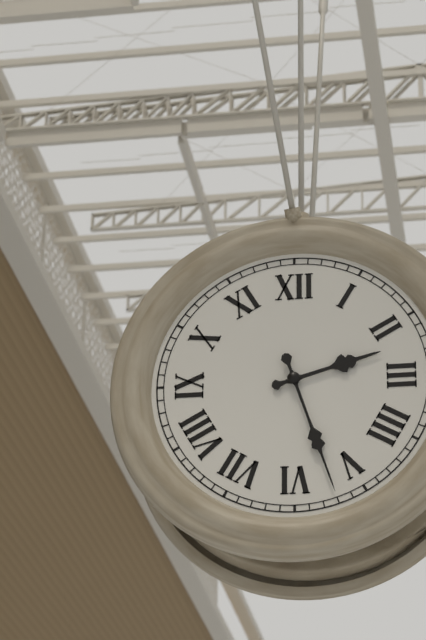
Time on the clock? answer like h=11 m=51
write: h=2 m=27
